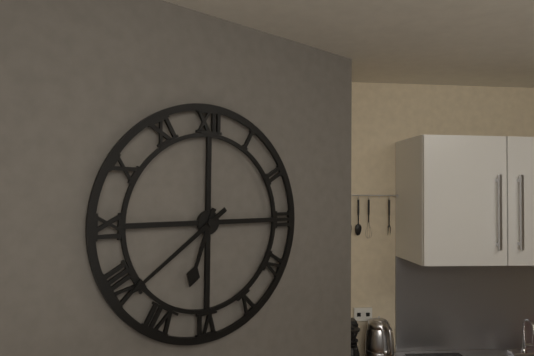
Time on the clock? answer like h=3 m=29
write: h=6 m=39
